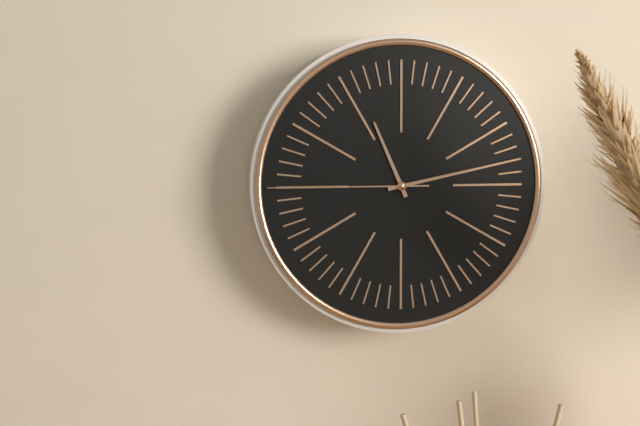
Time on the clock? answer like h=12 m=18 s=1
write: h=11 m=13 s=45
